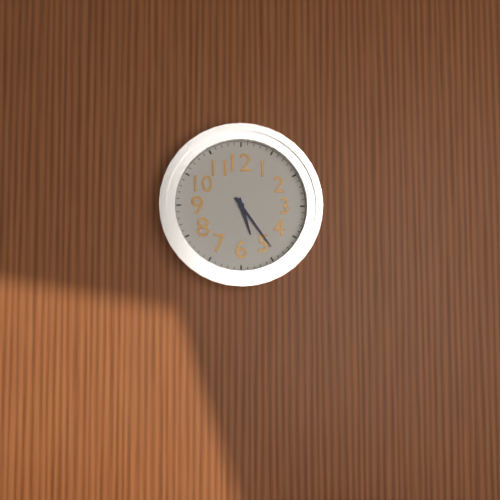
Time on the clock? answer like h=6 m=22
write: h=5 m=24
